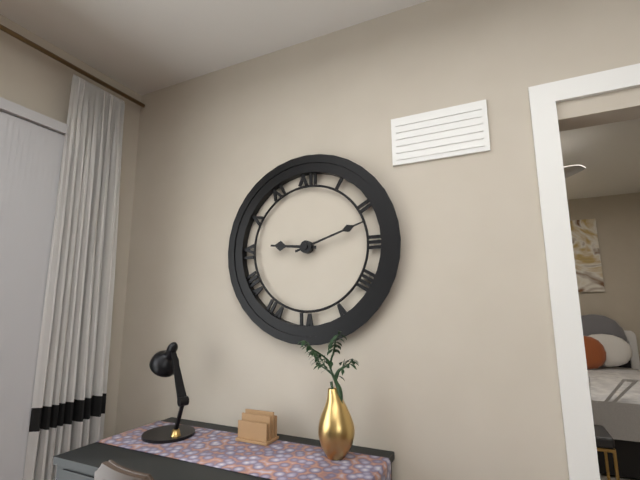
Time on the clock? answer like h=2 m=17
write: h=9 m=12
